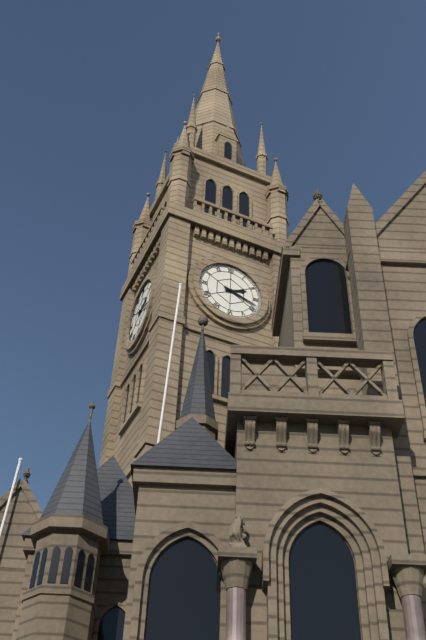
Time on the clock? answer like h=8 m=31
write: h=2 m=18
